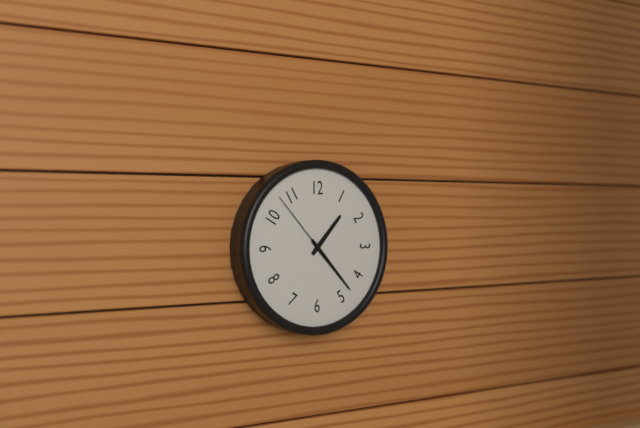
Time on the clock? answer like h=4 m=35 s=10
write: h=1 m=23 s=53
